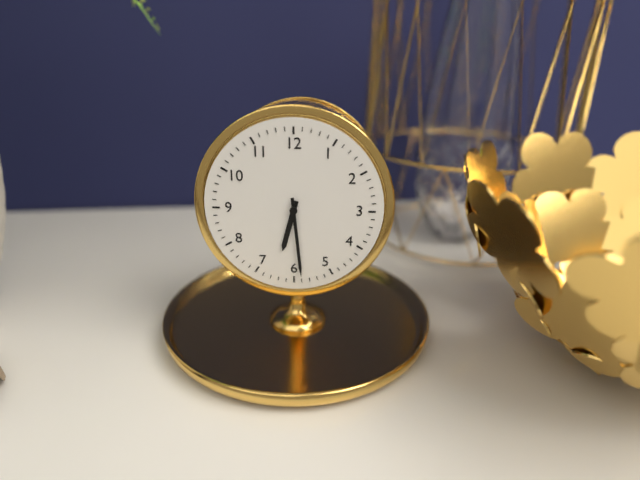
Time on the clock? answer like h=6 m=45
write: h=6 m=29
